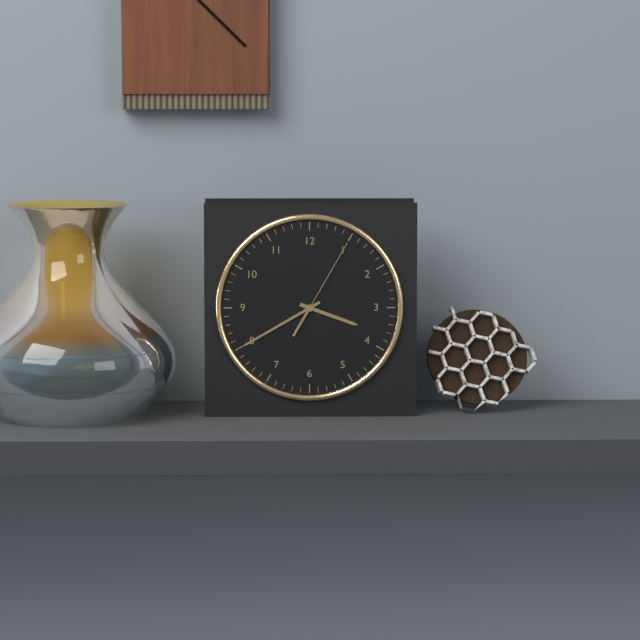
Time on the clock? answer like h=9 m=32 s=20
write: h=3 m=40 s=5
